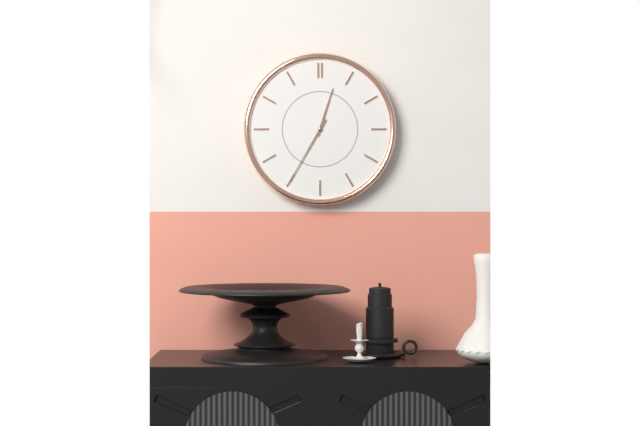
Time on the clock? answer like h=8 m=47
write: h=12 m=35
